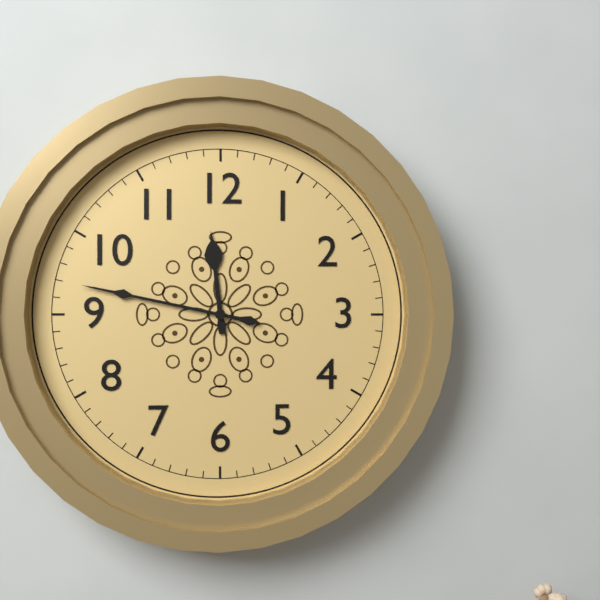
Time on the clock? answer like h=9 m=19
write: h=11 m=47
